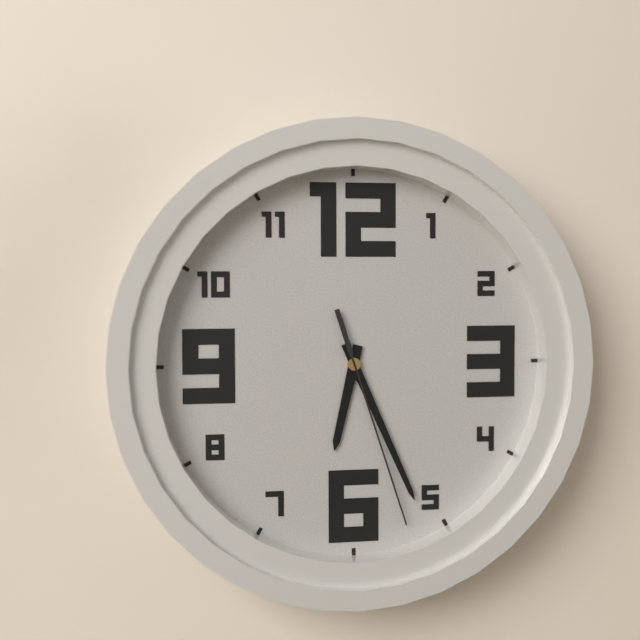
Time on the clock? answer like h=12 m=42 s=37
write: h=6 m=26 s=27
